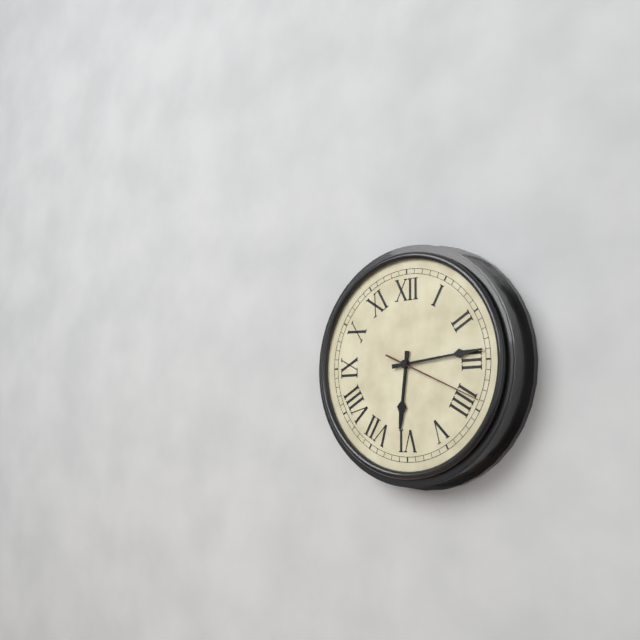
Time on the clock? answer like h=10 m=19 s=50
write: h=6 m=14 s=19
